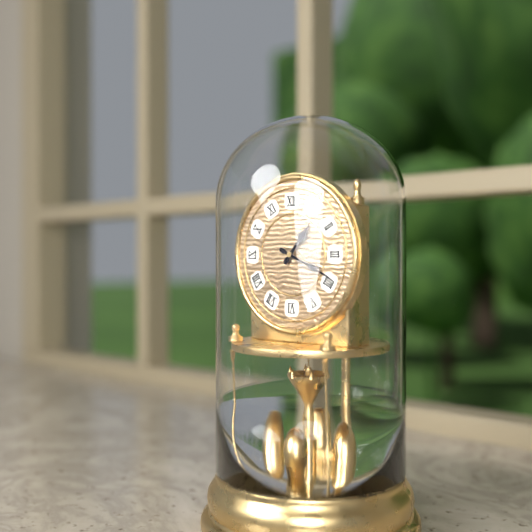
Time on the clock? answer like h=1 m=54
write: h=1 m=19
